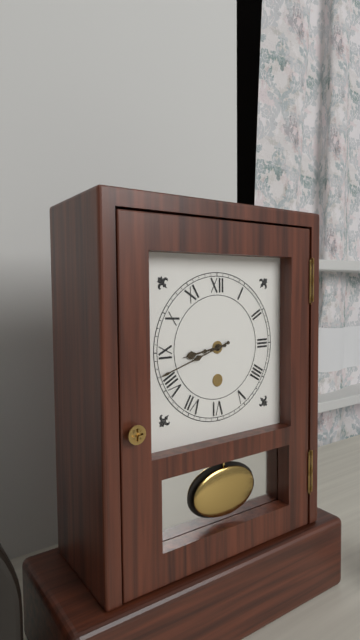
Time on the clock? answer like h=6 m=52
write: h=8 m=42
